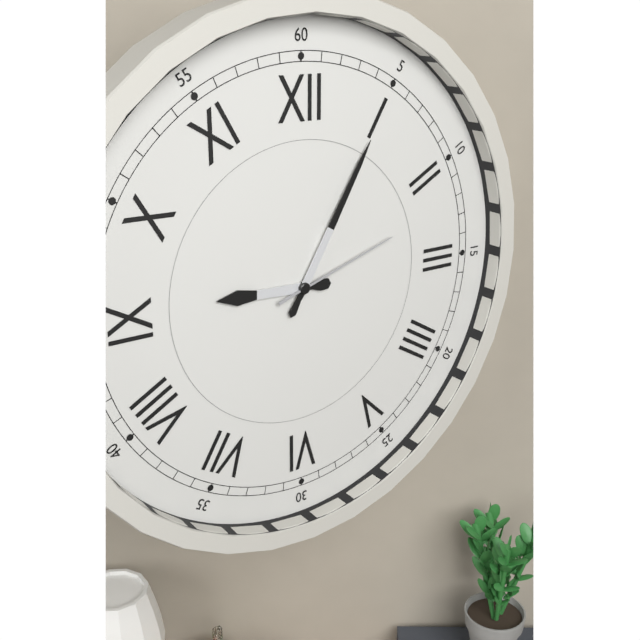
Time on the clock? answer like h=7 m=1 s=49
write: h=9 m=5 s=12
